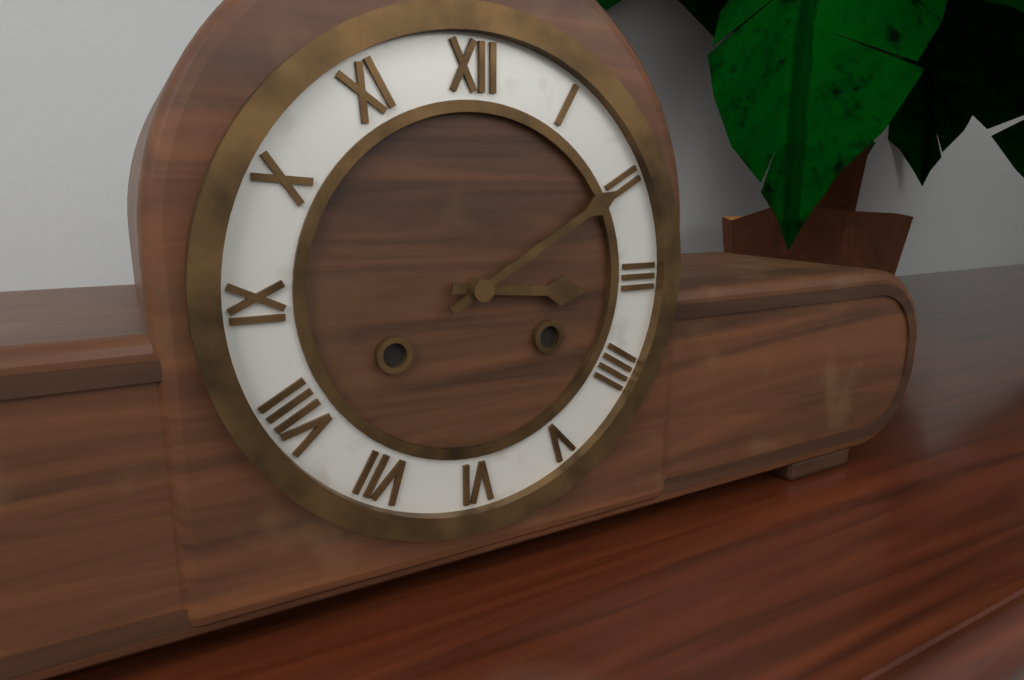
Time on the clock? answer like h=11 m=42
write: h=3 m=10
